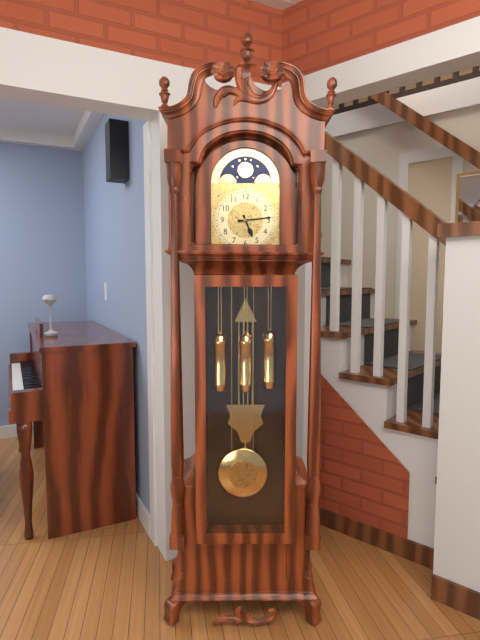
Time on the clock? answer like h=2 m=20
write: h=5 m=14
